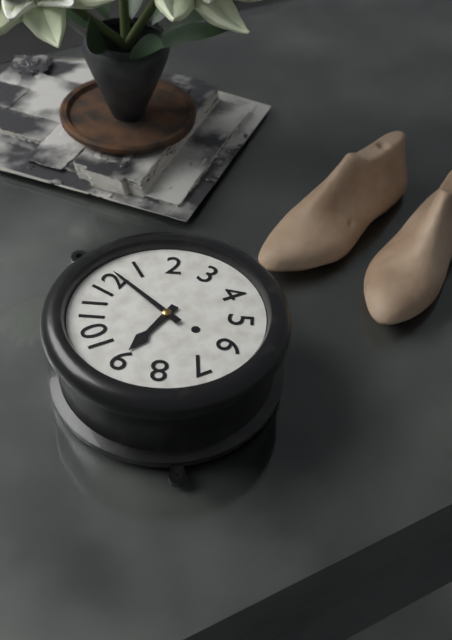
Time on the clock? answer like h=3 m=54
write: h=9 m=2
